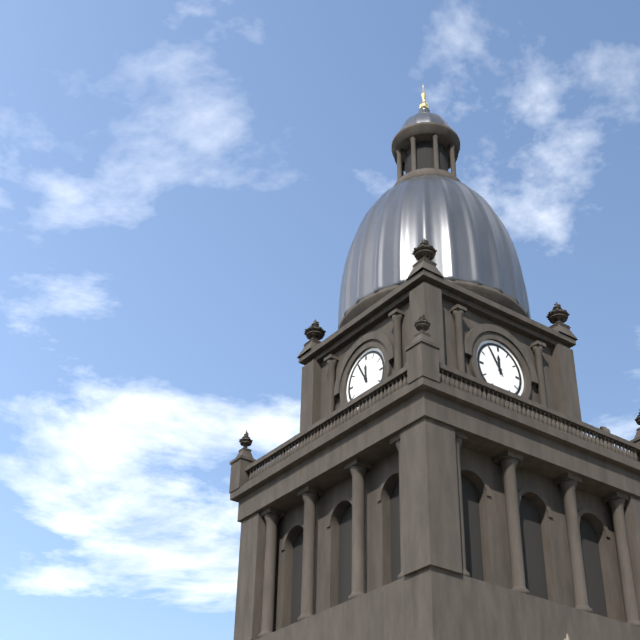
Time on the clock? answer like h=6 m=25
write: h=11 m=55
